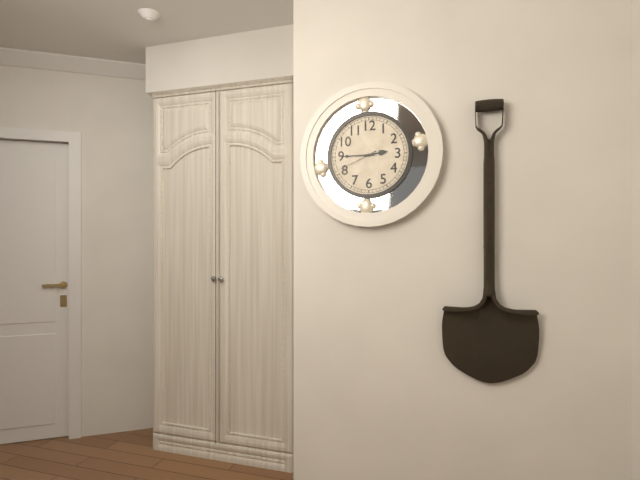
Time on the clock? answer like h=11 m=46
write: h=2 m=45
